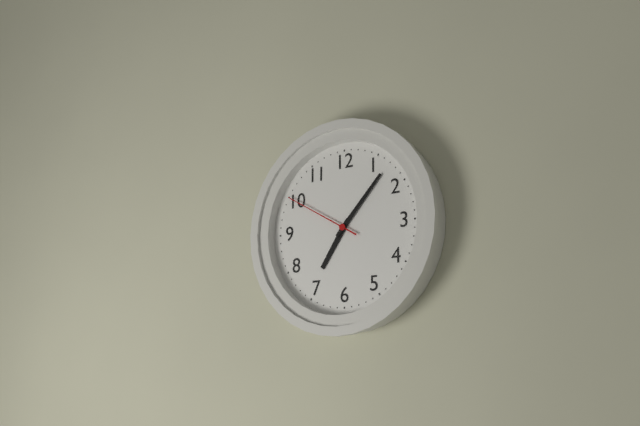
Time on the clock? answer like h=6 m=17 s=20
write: h=7 m=7 s=50
